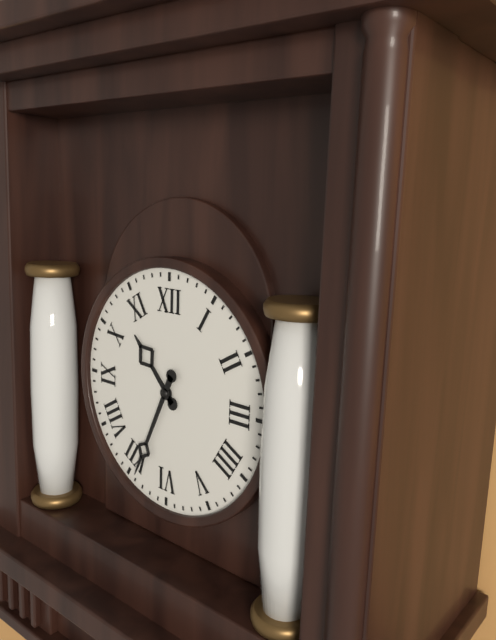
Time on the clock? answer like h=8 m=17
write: h=10 m=34
